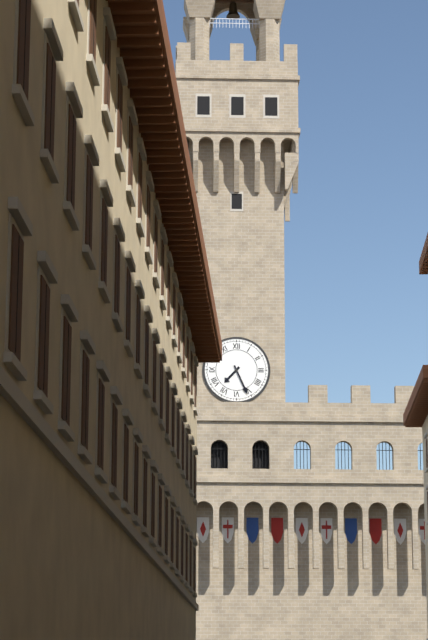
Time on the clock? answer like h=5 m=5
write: h=7 m=26
